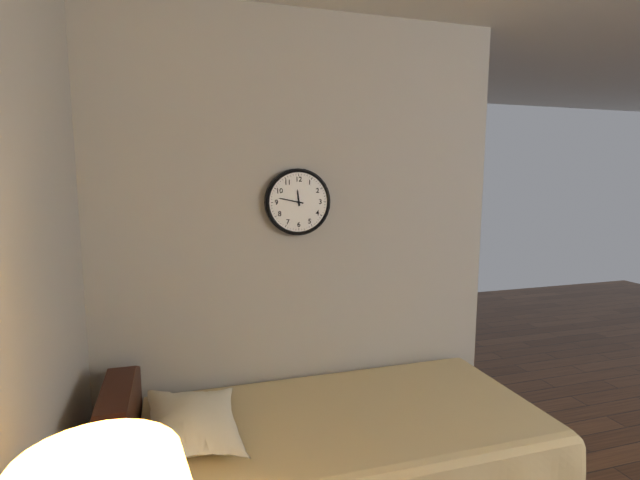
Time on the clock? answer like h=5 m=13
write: h=11 m=47
